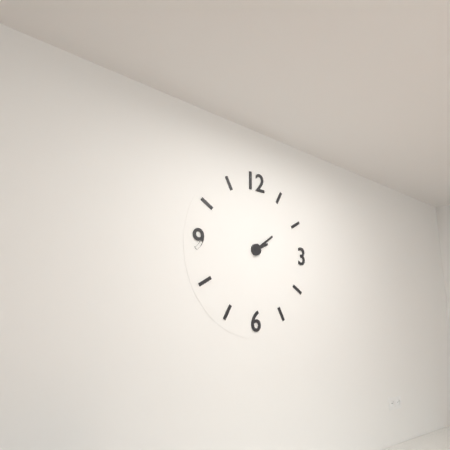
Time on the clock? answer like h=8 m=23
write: h=2 m=9
